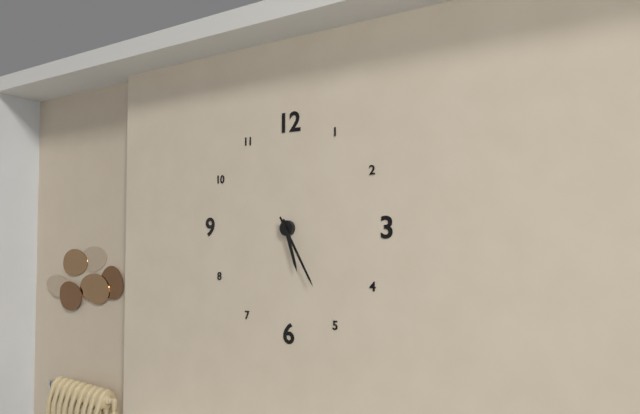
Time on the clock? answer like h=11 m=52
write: h=5 m=25
